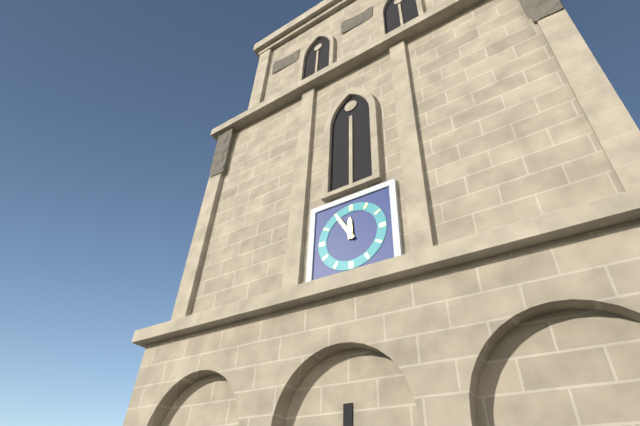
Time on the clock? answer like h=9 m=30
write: h=11 m=55
